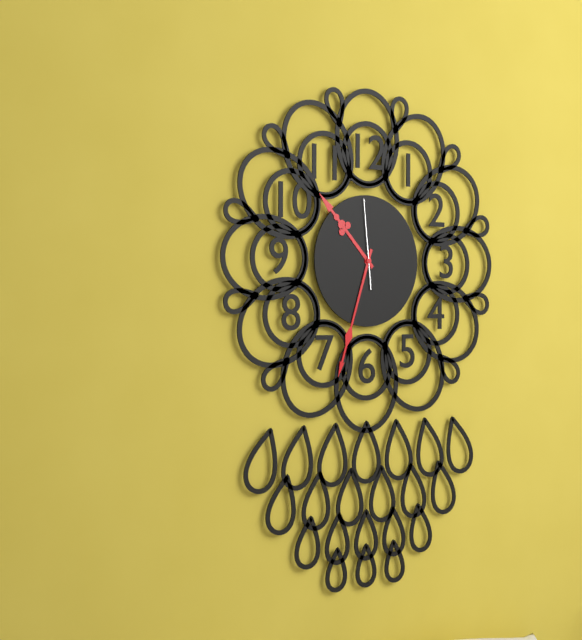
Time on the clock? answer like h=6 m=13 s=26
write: h=10 m=33 s=59
